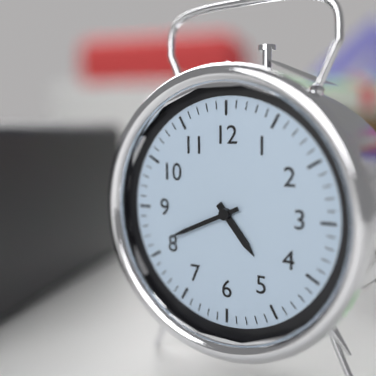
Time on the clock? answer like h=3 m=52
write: h=4 m=41
